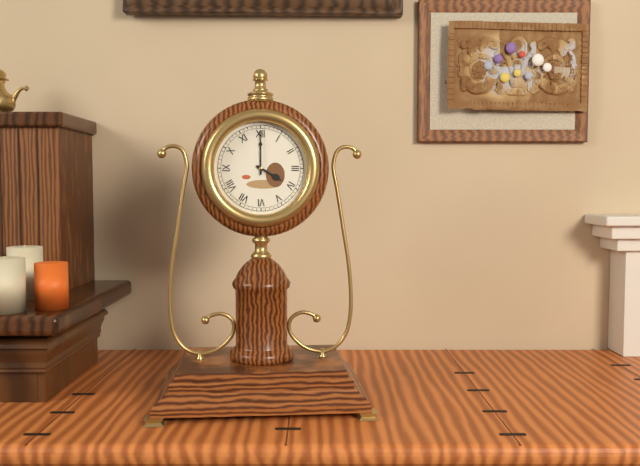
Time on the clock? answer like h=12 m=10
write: h=4 m=0
